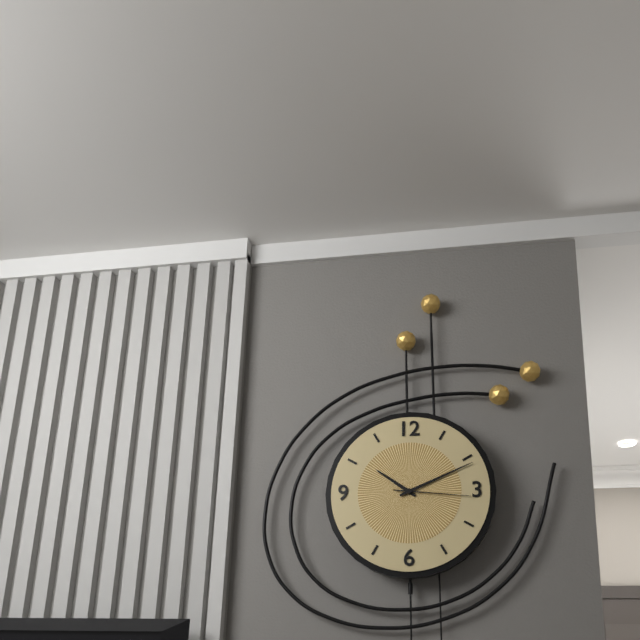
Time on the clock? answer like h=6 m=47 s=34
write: h=10 m=11 s=16
